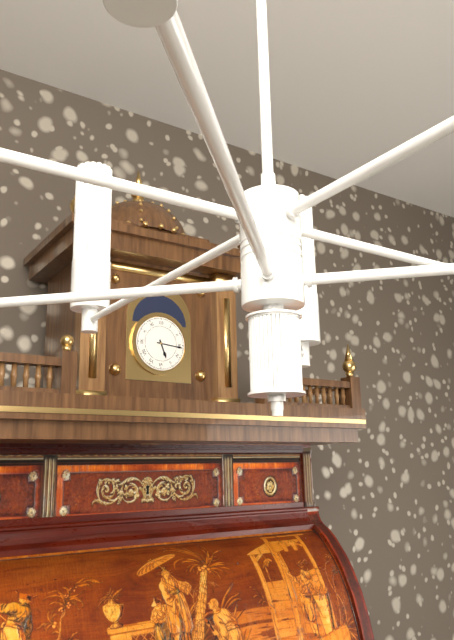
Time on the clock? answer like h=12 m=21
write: h=5 m=16
